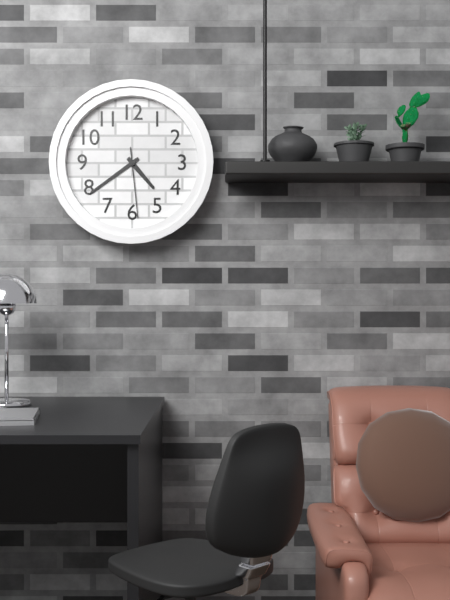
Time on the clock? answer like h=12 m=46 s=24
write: h=4 m=39 s=29
